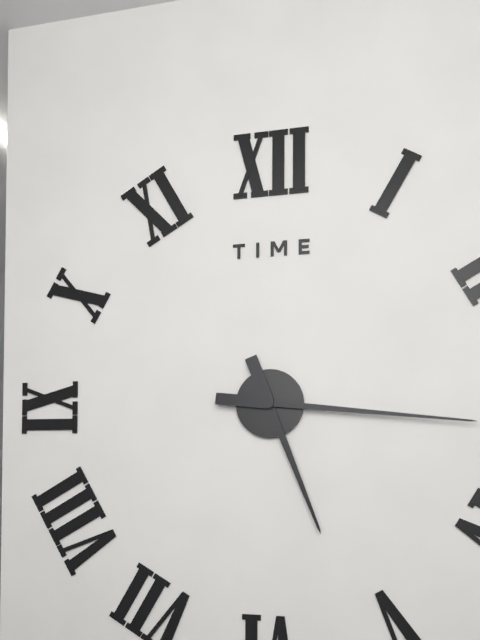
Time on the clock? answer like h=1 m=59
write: h=5 m=16
